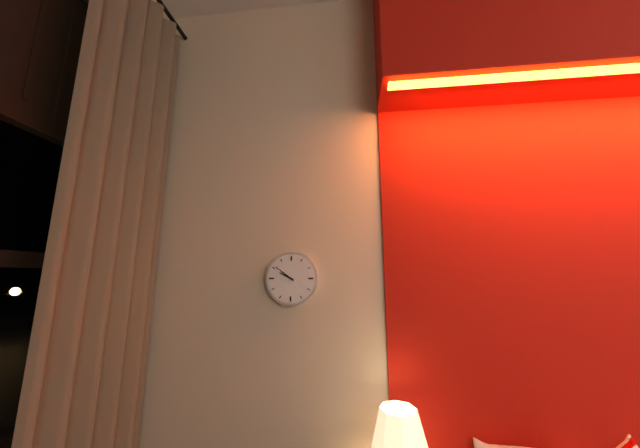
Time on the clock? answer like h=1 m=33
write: h=9 m=51
